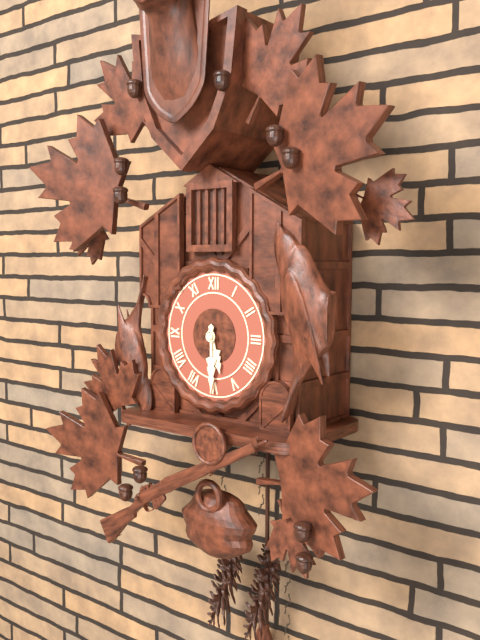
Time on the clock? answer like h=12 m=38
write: h=5 m=30
